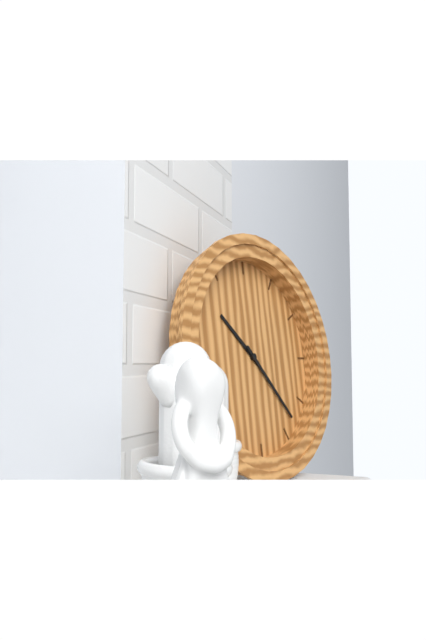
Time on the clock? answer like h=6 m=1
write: h=10 m=23
